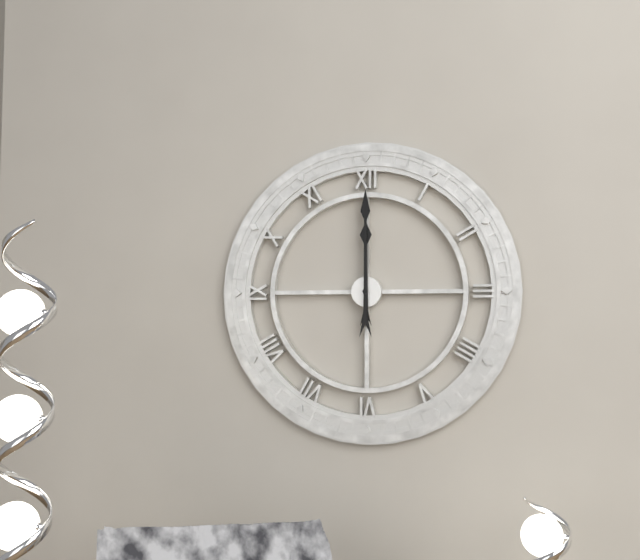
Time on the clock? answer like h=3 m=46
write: h=12 m=0
